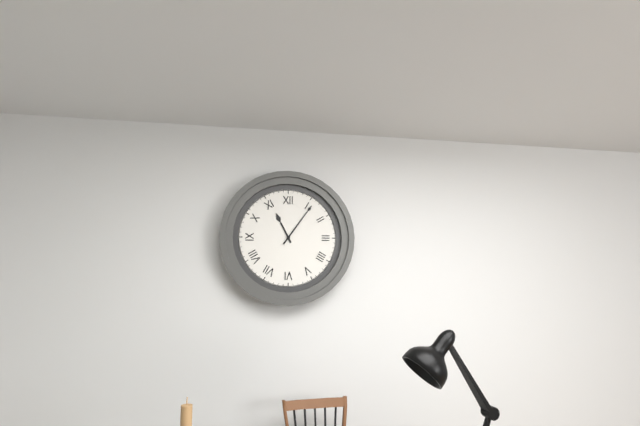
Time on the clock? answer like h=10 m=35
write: h=11 m=6
